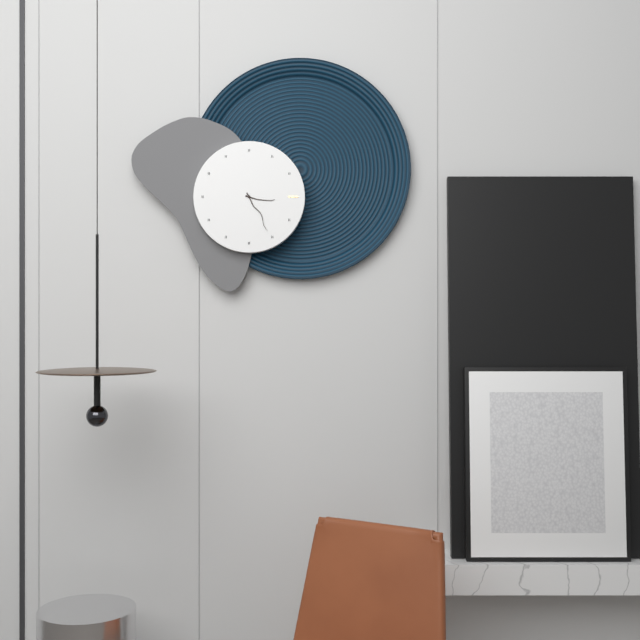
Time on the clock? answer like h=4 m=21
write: h=3 m=25
